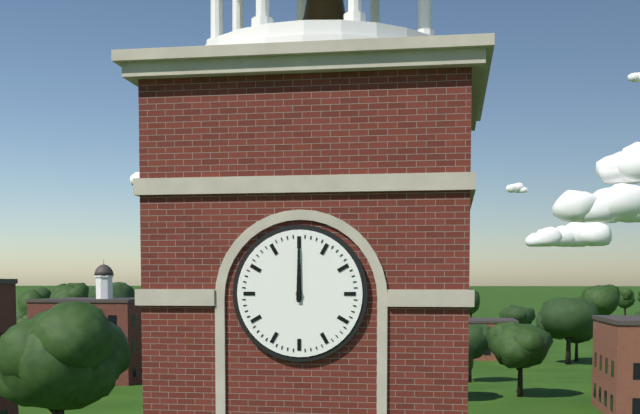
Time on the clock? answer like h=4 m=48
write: h=12 m=0
